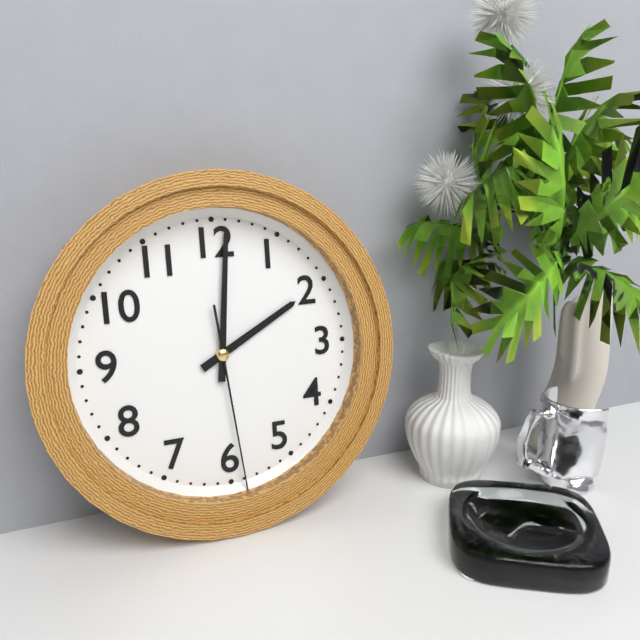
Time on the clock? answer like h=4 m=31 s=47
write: h=2 m=1 s=29
